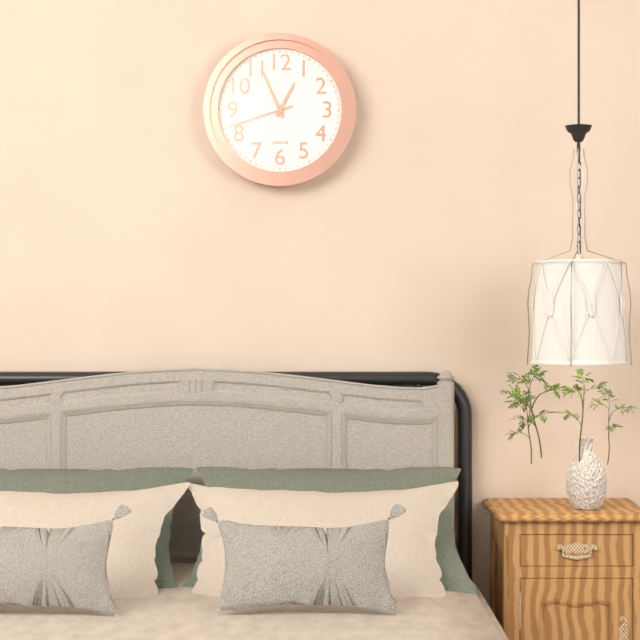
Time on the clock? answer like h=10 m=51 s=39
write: h=12 m=56 s=42
